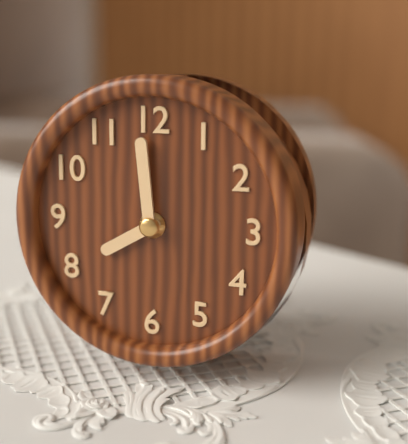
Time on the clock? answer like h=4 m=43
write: h=7 m=59
